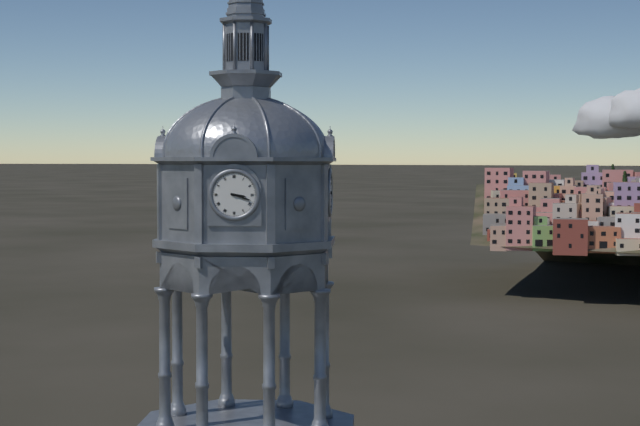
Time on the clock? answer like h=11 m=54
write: h=3 m=18
